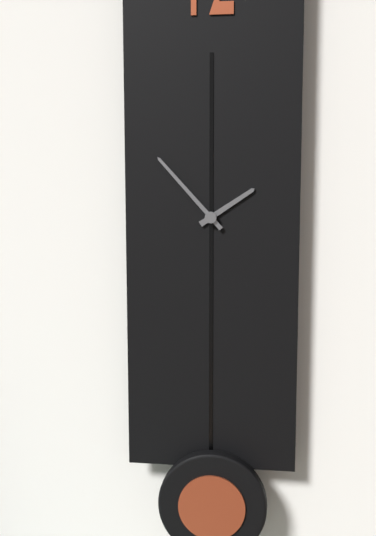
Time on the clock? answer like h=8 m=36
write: h=1 m=53
